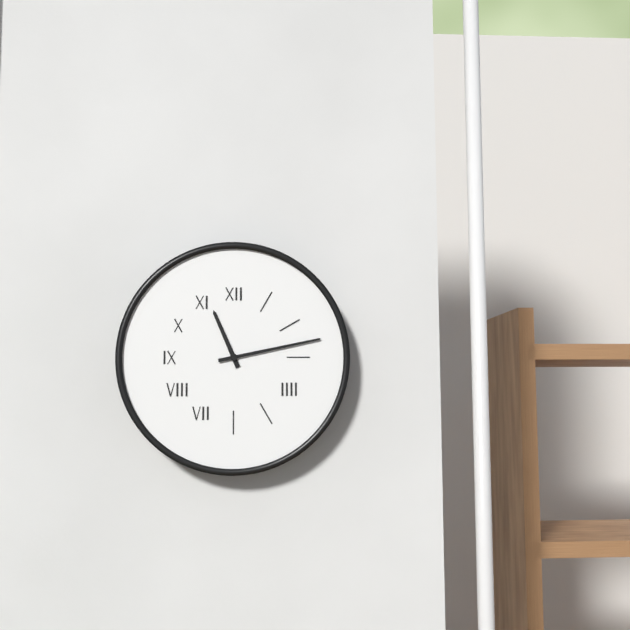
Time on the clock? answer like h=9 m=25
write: h=11 m=13
